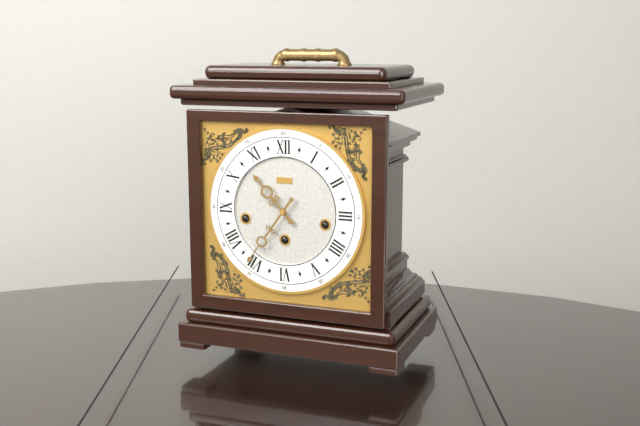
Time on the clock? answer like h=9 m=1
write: h=10 m=36
